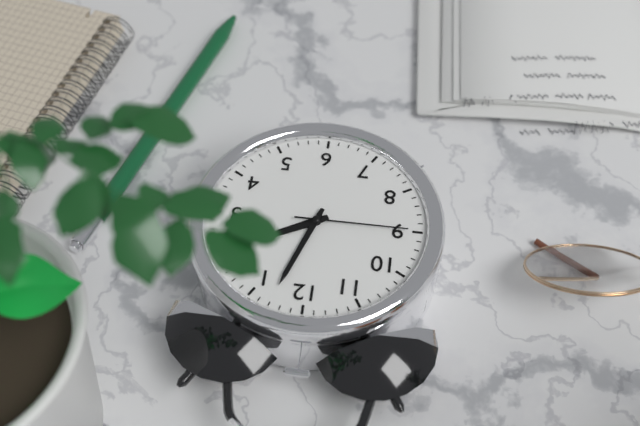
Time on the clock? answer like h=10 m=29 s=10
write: h=2 m=3 s=45
